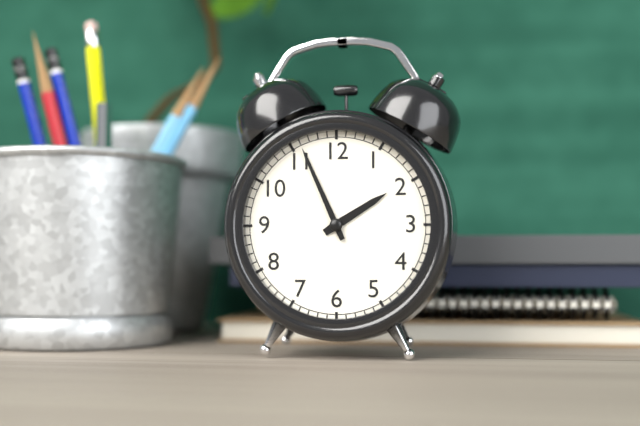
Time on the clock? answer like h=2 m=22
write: h=1 m=56
